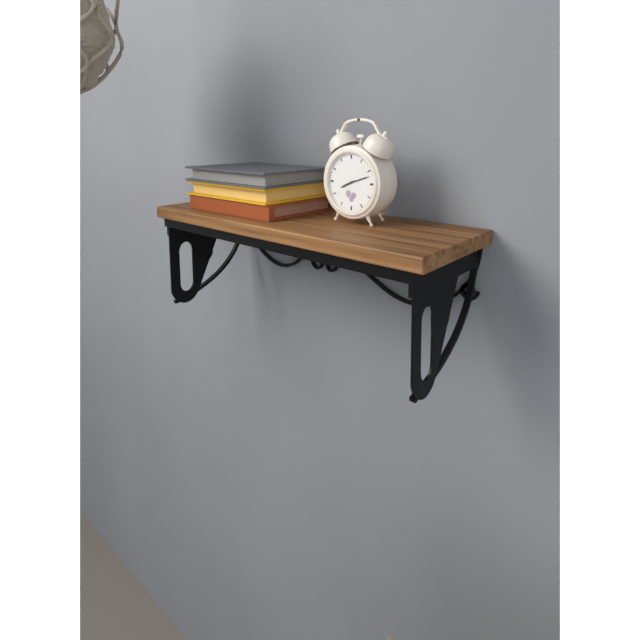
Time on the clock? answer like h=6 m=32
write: h=8 m=12
